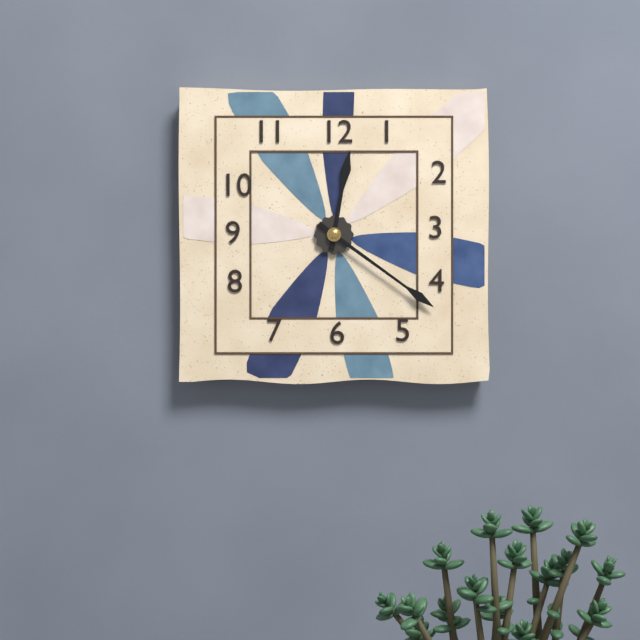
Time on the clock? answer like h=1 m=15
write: h=12 m=21
